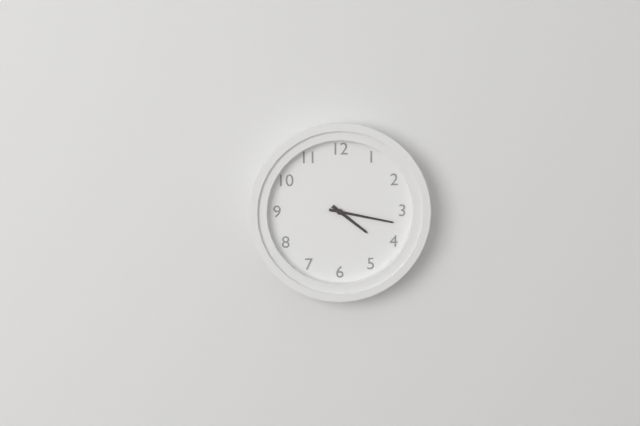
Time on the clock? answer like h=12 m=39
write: h=4 m=17
